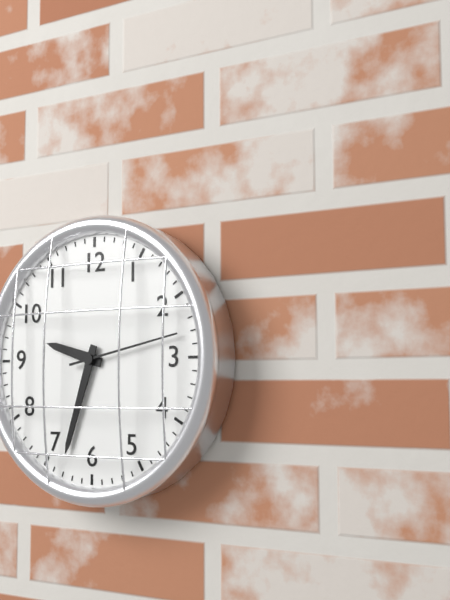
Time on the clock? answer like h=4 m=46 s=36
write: h=9 m=33 s=13
